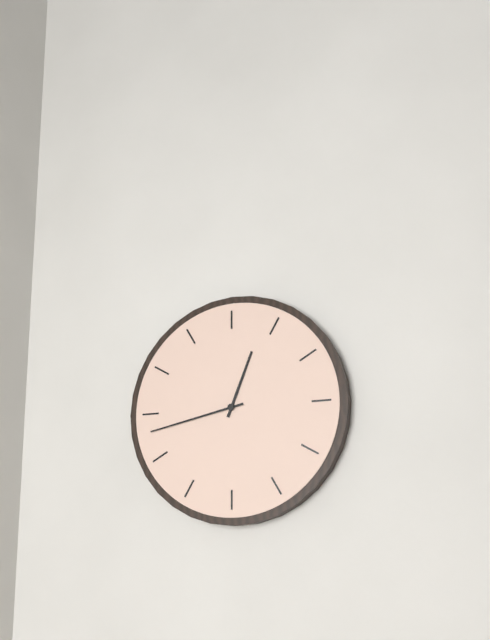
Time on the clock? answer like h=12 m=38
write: h=12 m=43
